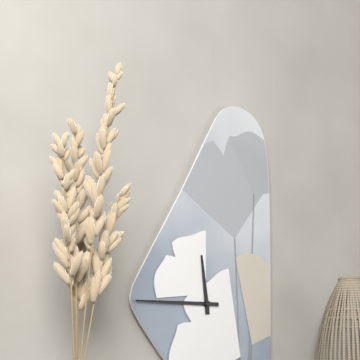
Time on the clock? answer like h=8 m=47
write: h=11 m=45
